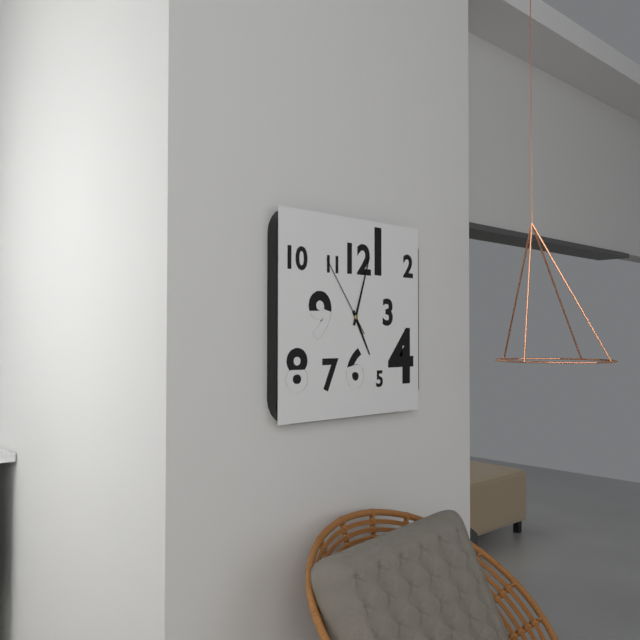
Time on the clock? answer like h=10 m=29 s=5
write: h=5 m=3 s=54
